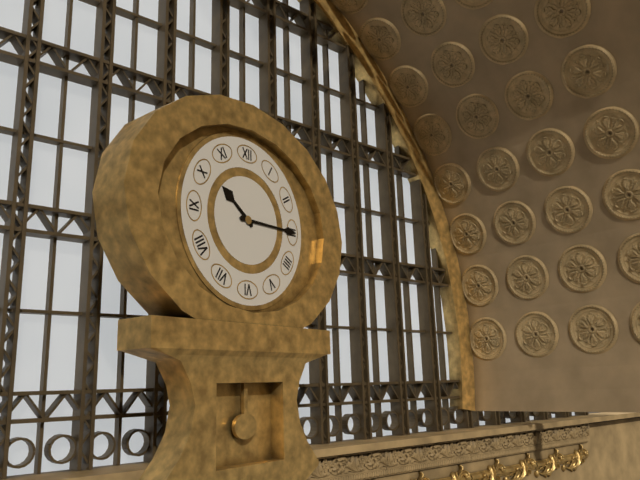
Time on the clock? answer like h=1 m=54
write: h=10 m=15
